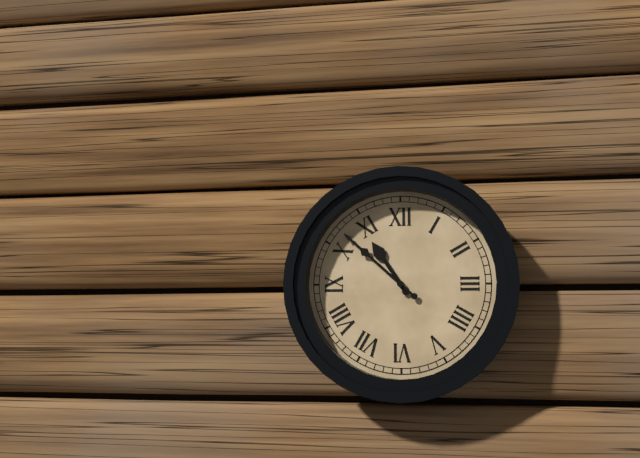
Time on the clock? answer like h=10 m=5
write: h=10 m=52
